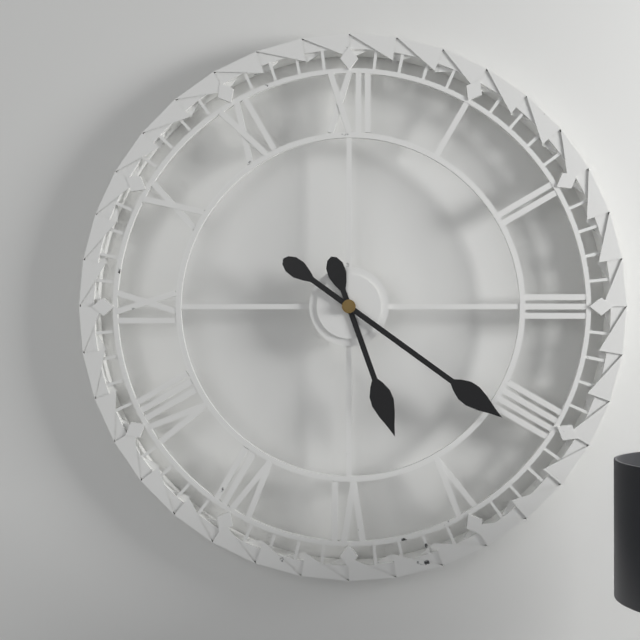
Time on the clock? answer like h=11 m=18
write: h=5 m=21
